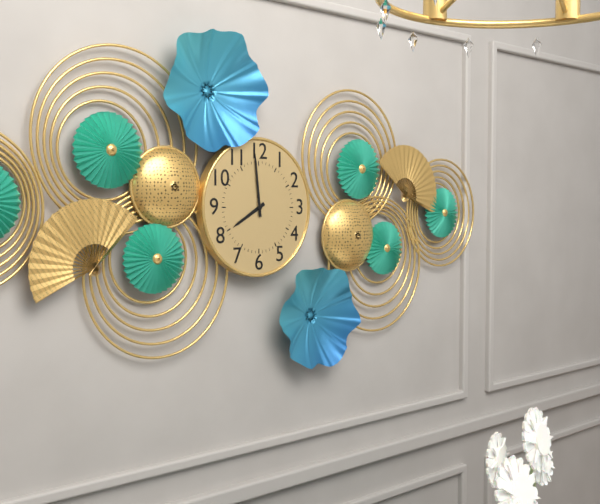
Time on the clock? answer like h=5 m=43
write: h=7 m=59
